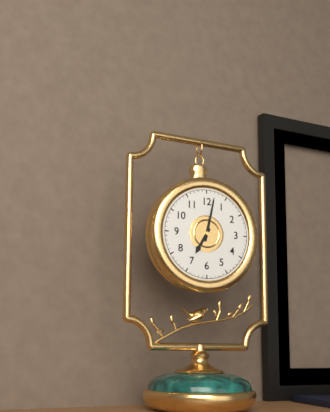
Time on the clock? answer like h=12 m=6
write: h=7 m=2
